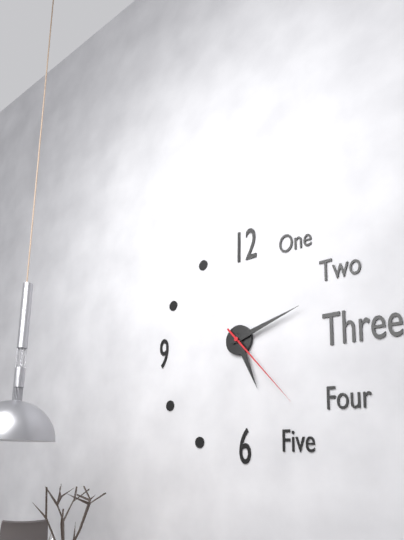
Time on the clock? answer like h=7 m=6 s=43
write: h=5 m=12 s=23
